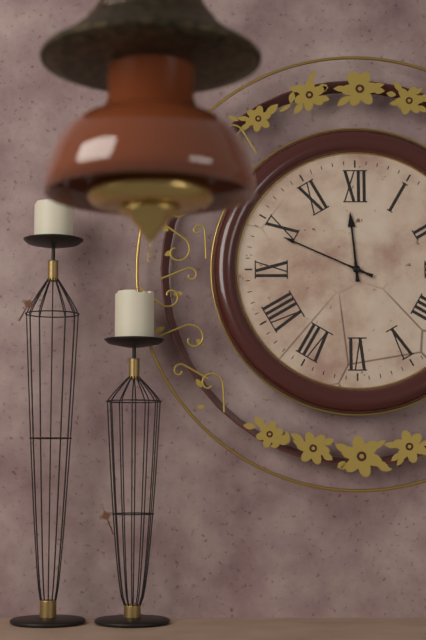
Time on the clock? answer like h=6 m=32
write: h=11 m=49
